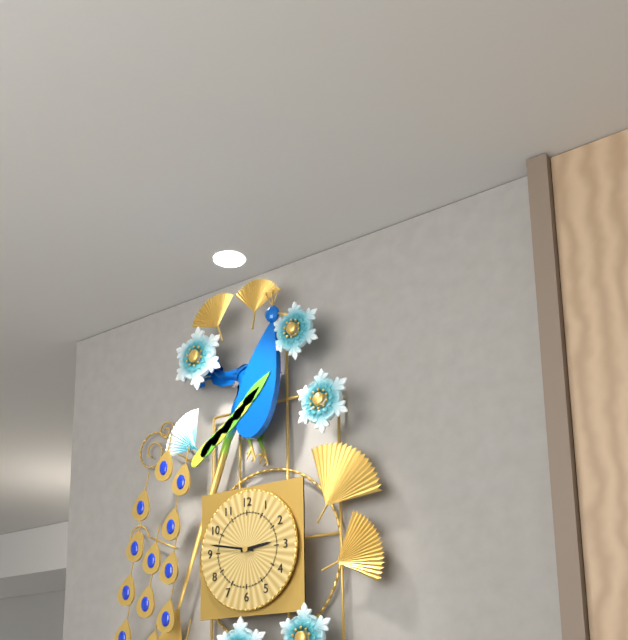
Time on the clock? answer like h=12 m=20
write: h=2 m=47
